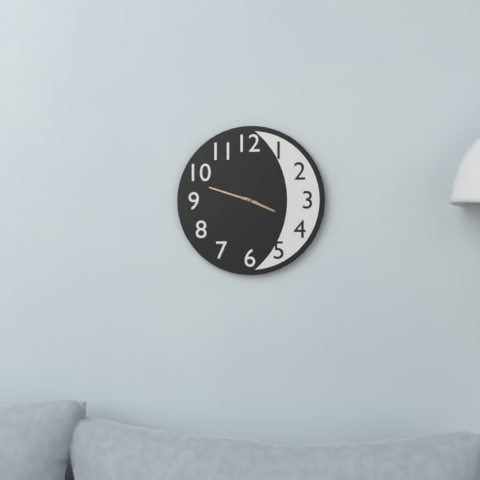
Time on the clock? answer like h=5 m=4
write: h=3 m=48
